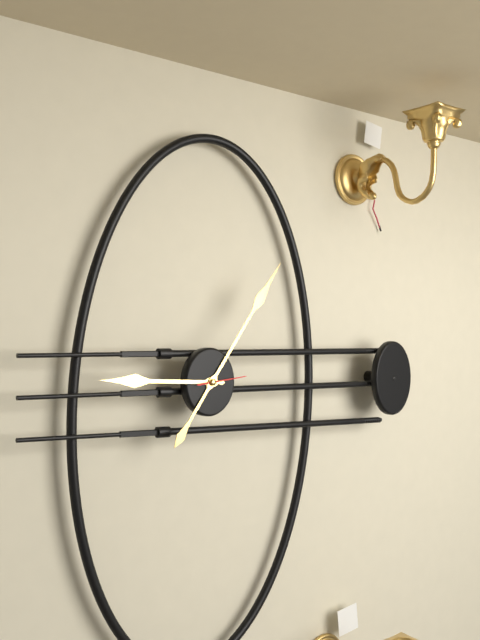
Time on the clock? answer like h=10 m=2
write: h=9 m=6
